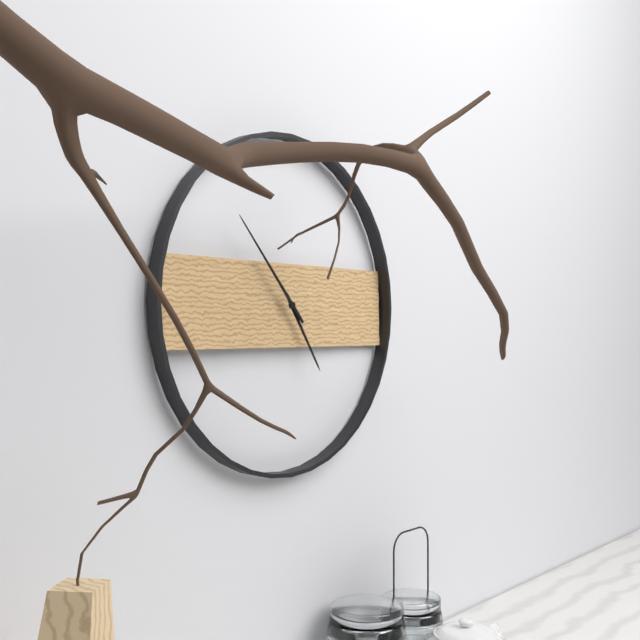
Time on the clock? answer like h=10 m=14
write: h=4 m=53
